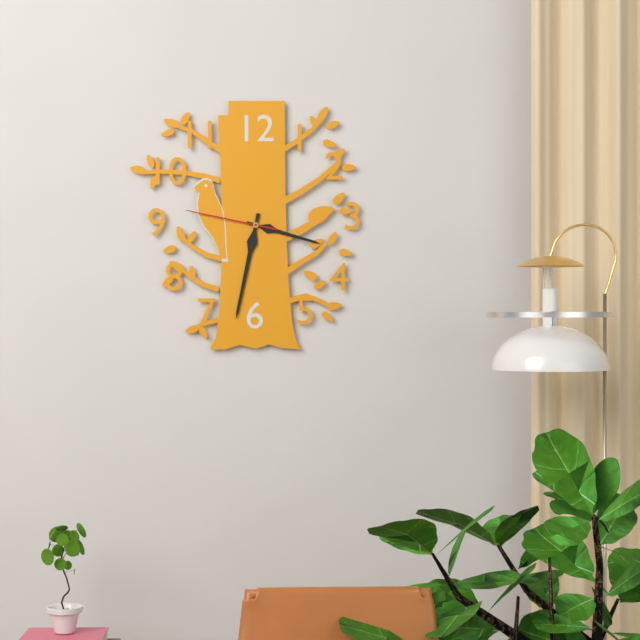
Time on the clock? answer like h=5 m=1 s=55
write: h=3 m=32 s=47
